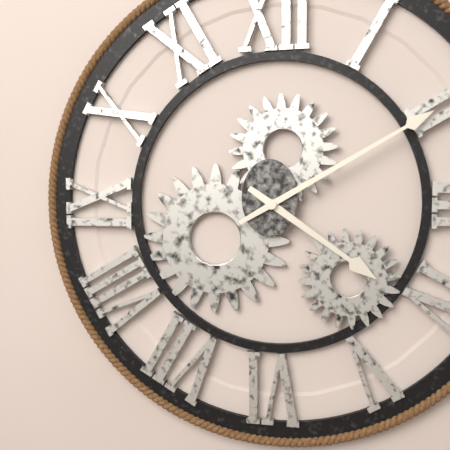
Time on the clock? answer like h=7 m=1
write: h=4 m=10
